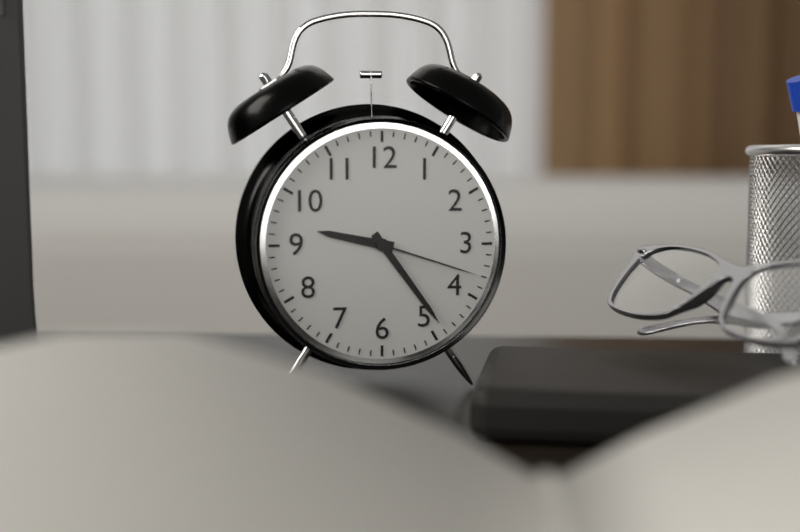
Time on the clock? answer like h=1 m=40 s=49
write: h=9 m=24 s=18
